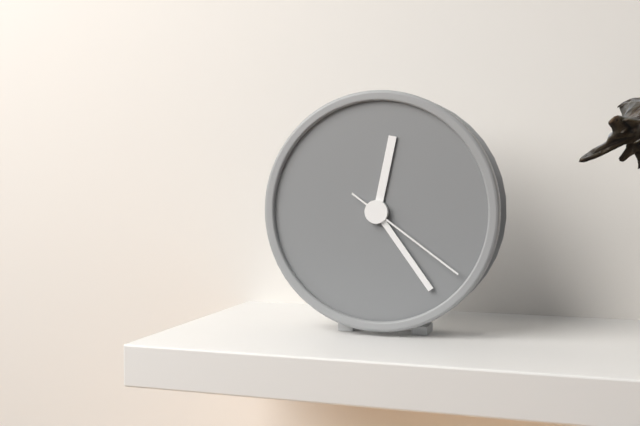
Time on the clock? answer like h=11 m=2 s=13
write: h=12 m=24 s=21
